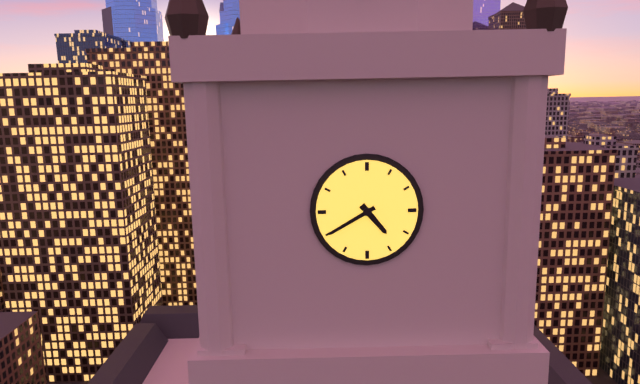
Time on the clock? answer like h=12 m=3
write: h=4 m=40
